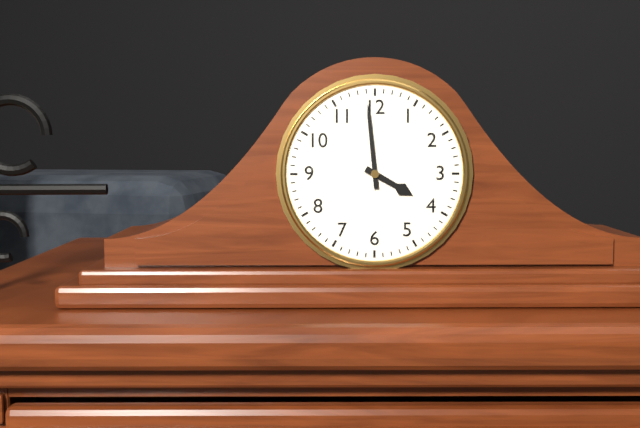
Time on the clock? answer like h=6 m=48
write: h=3 m=59
